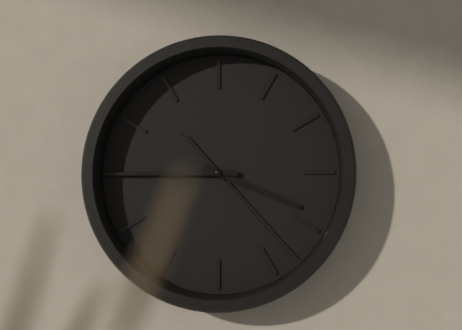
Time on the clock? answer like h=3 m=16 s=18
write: h=3 m=45 s=23
